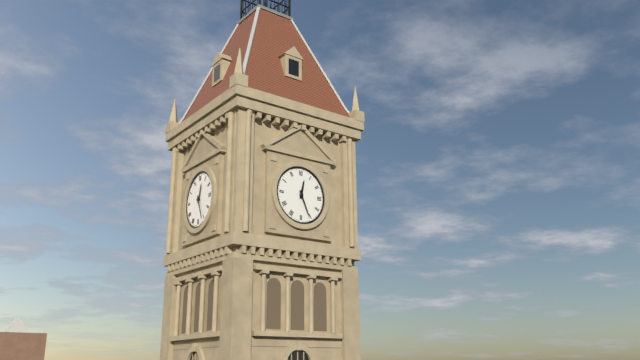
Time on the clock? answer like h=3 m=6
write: h=12 m=26
